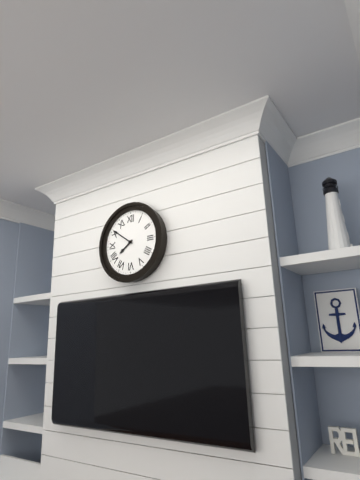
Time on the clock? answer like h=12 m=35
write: h=7 m=51
